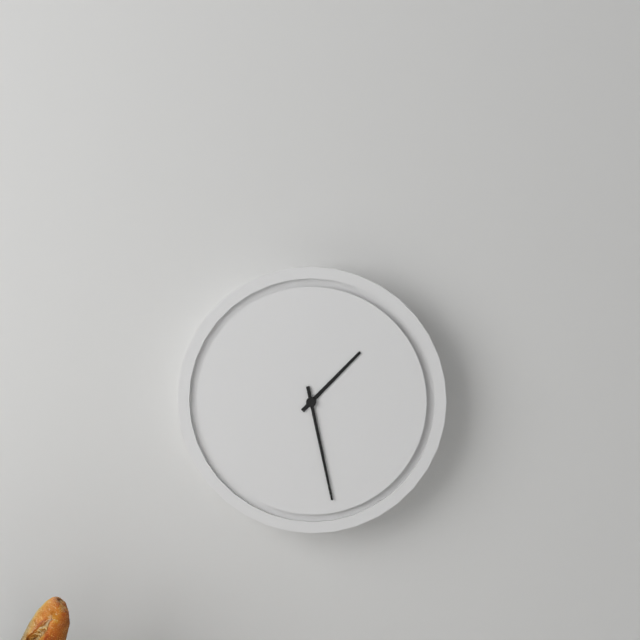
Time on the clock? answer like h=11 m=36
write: h=1 m=28
